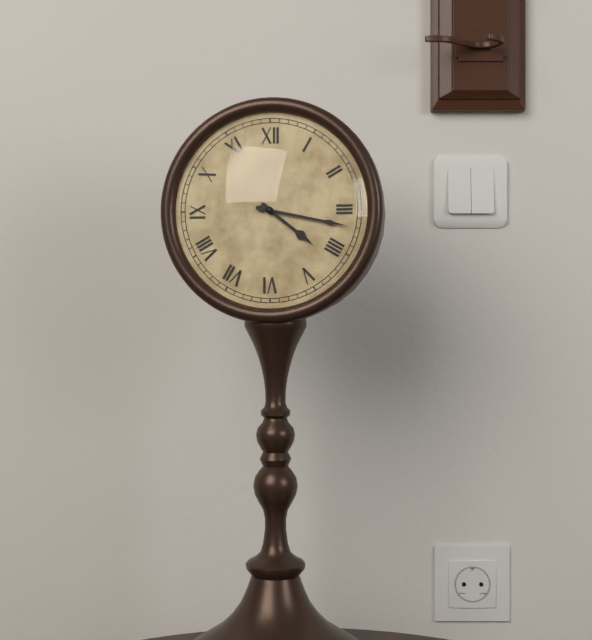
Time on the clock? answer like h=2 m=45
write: h=4 m=17
